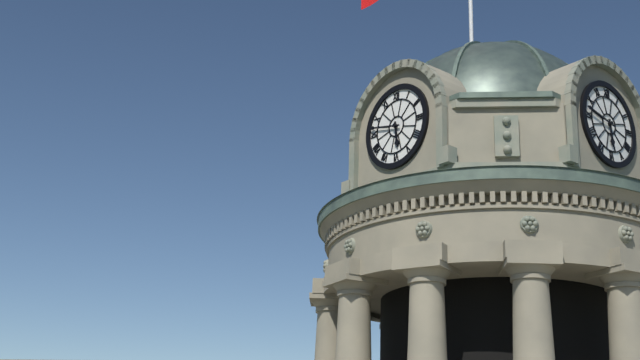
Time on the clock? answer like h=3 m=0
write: h=5 m=47
